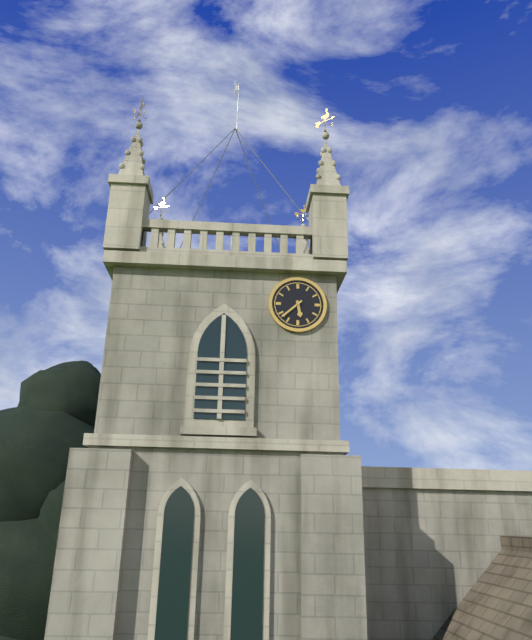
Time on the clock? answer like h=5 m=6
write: h=5 m=38
